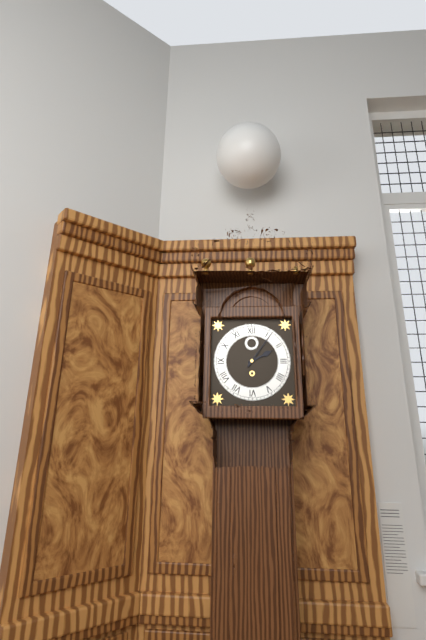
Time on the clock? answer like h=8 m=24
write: h=2 m=6
